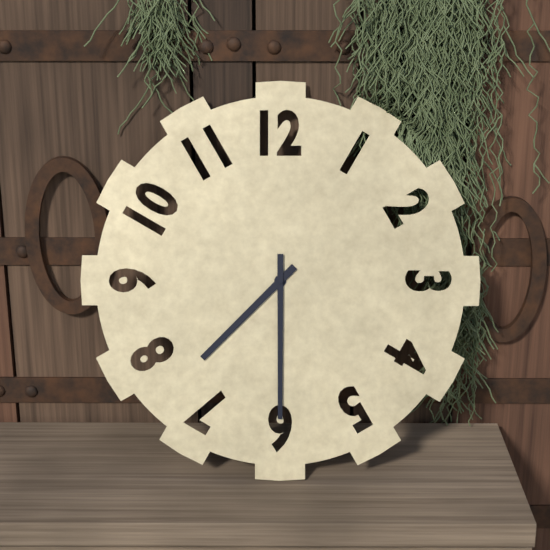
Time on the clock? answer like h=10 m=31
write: h=7 m=30
